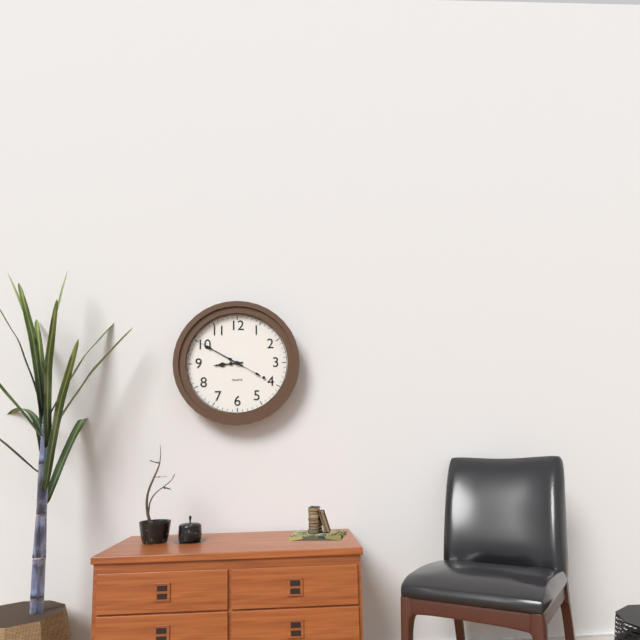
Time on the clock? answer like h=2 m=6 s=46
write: h=8 m=50 s=50
